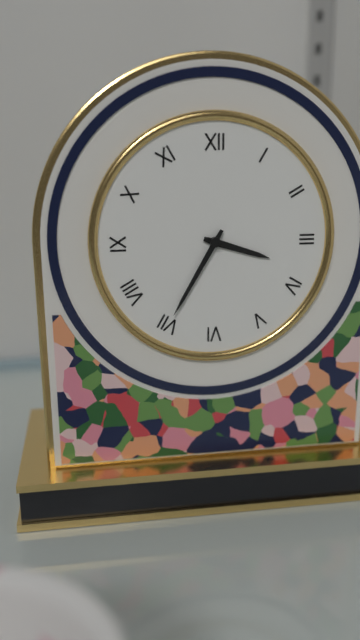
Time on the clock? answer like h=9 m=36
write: h=3 m=35
